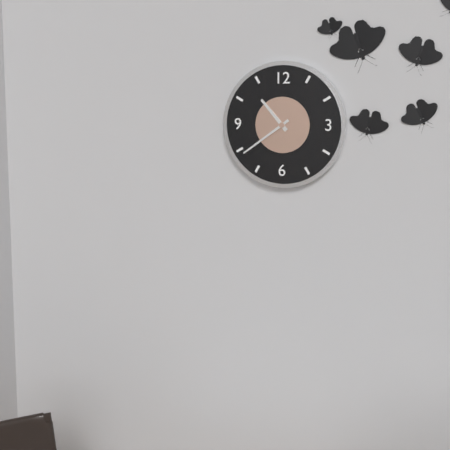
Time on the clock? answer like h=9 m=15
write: h=10 m=39
